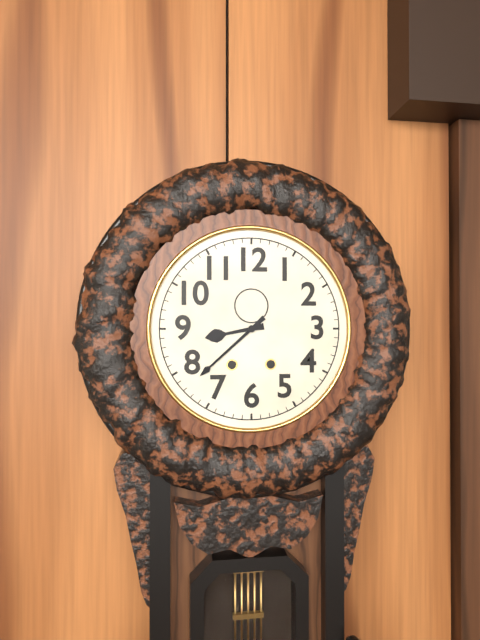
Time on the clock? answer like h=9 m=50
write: h=8 m=38
